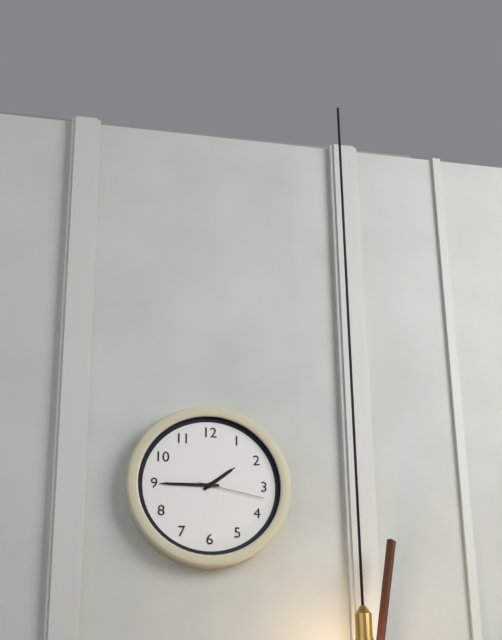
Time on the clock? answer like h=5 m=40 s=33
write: h=1 m=45 s=17
